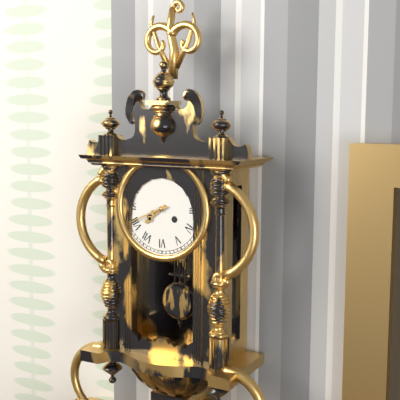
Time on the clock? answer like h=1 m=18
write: h=7 m=41
